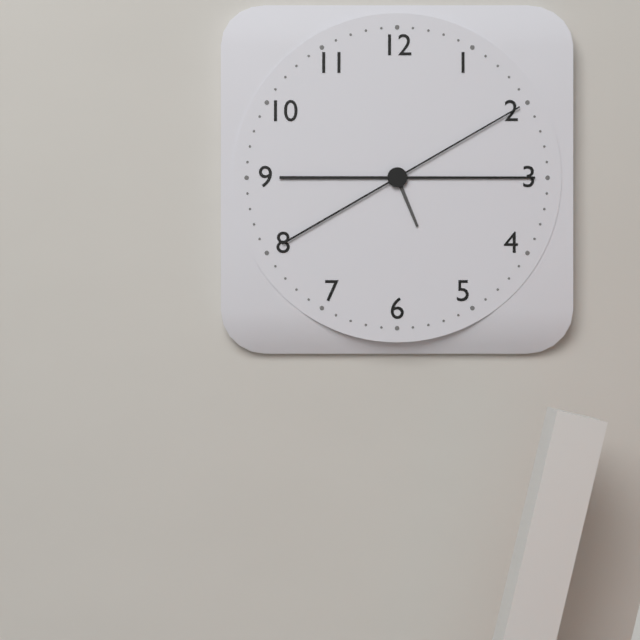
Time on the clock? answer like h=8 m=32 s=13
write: h=5 m=15 s=10
